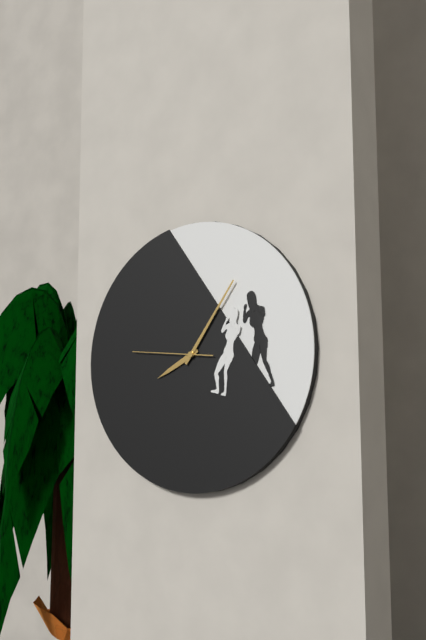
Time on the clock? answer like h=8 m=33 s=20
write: h=8 m=6 s=46
